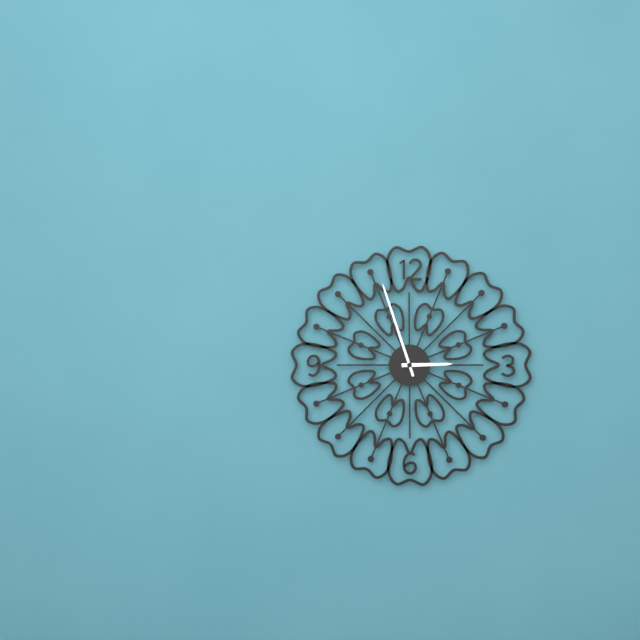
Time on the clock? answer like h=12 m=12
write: h=2 m=57
